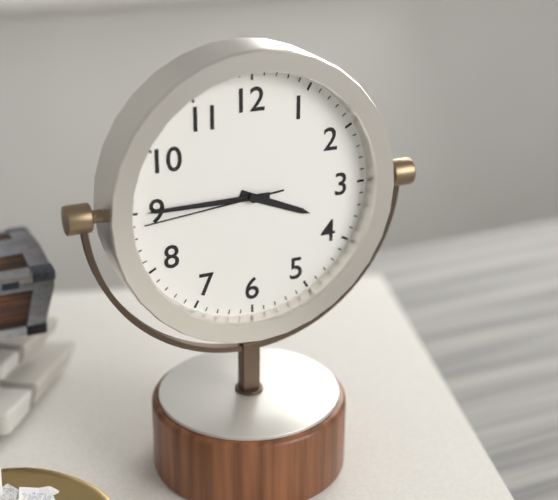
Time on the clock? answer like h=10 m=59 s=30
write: h=3 m=45 s=44
